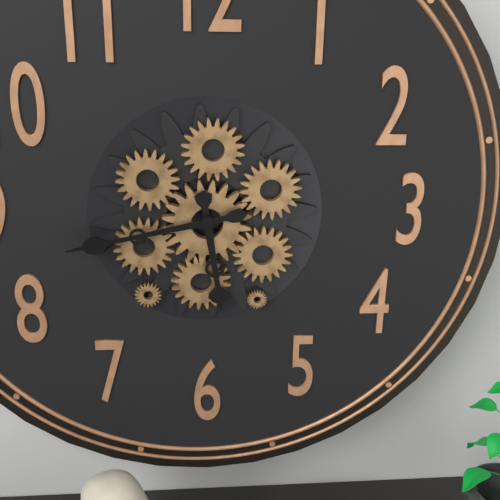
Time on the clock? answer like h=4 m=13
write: h=5 m=43
